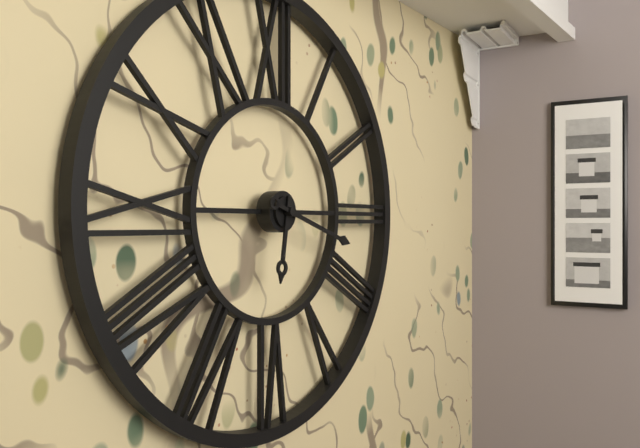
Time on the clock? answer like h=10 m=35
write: h=6 m=18
